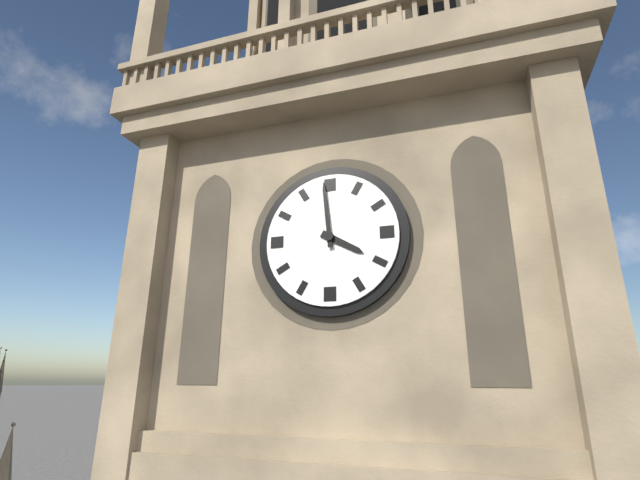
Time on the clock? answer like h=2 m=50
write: h=3 m=59
